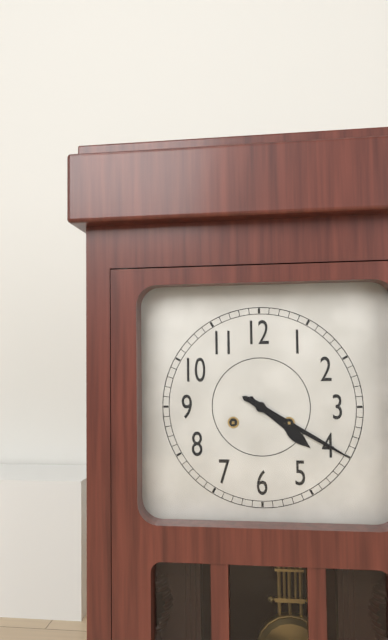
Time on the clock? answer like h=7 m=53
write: h=4 m=20
